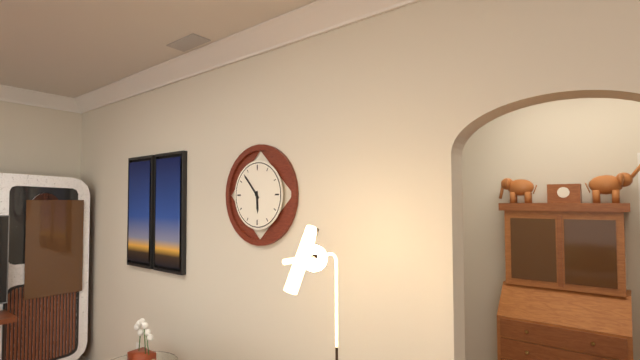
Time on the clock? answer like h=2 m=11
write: h=5 m=53
